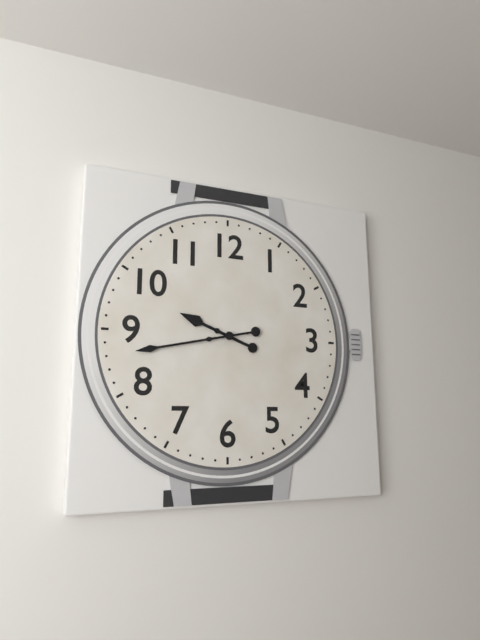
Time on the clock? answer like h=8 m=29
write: h=9 m=43
